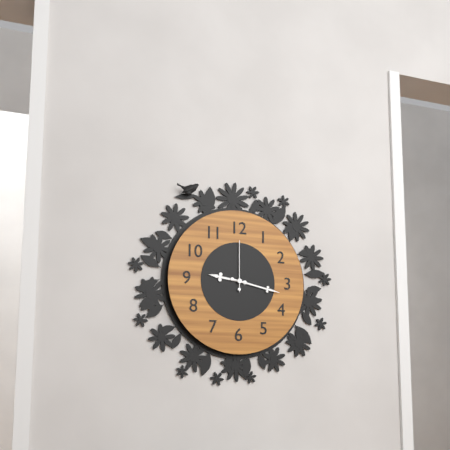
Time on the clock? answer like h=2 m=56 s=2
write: h=9 m=17 s=0
